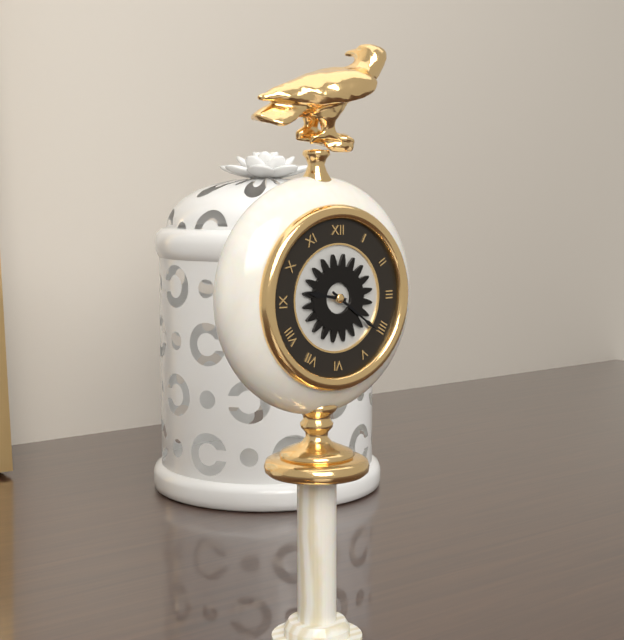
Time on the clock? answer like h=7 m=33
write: h=9 m=21
